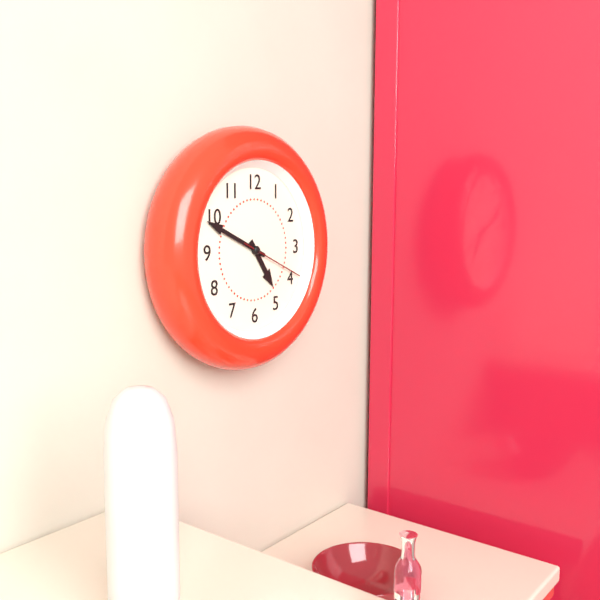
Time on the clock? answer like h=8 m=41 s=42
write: h=4 m=49 s=19
